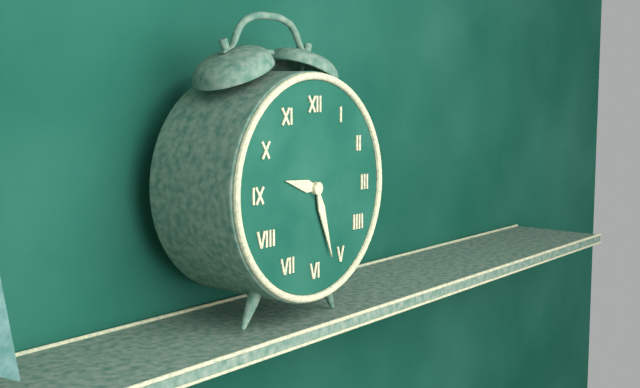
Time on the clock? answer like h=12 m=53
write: h=9 m=27
